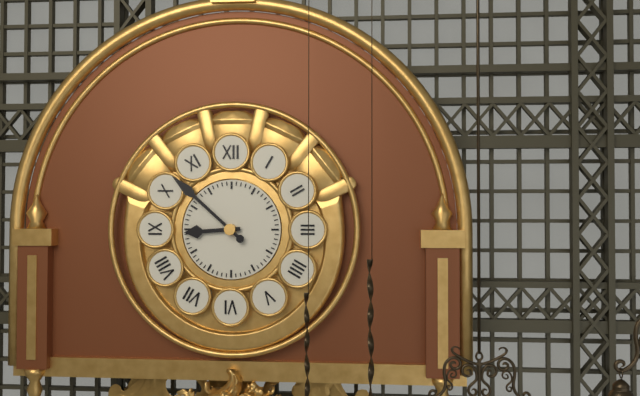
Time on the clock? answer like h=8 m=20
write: h=8 m=52
